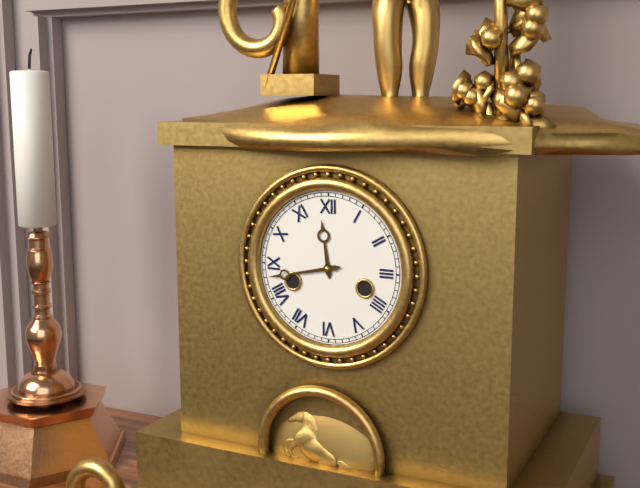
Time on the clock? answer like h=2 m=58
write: h=11 m=43
